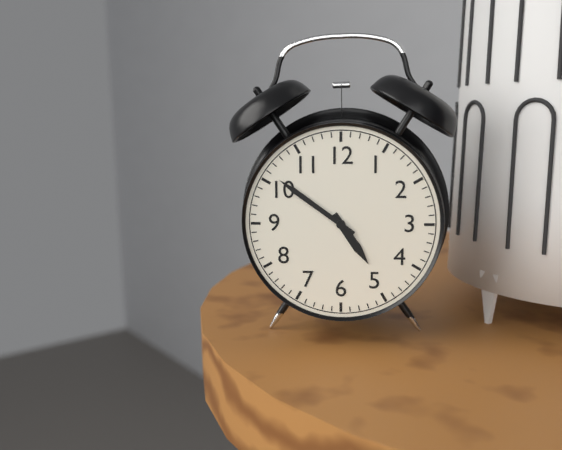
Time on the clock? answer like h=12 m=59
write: h=4 m=51
